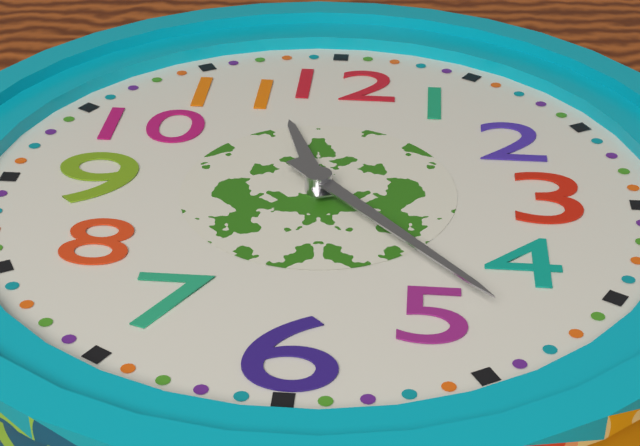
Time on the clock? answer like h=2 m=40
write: h=11 m=23
